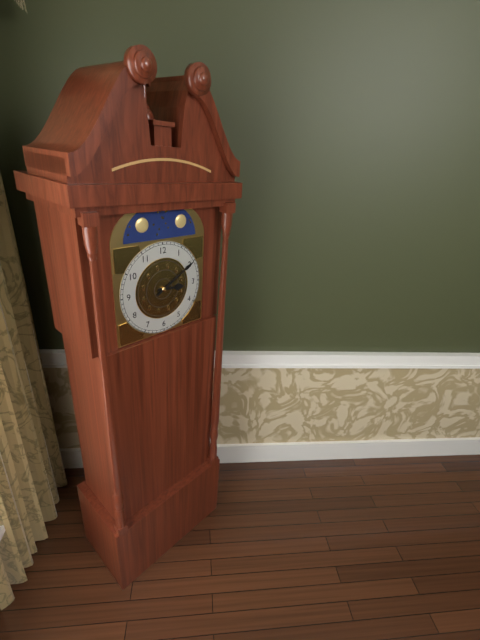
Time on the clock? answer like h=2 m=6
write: h=3 m=10
